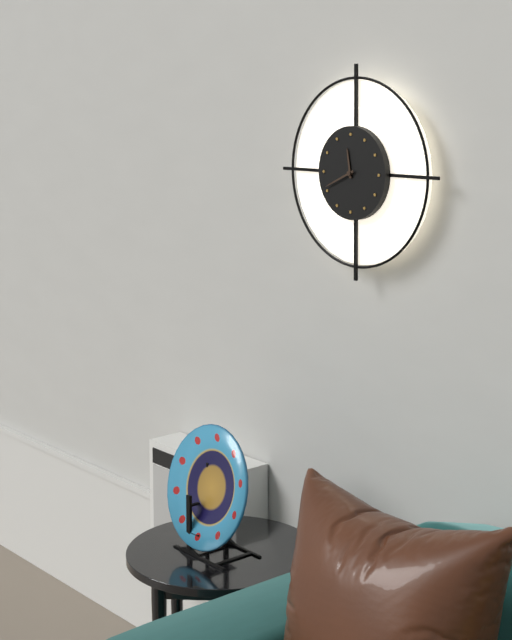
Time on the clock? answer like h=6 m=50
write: h=11 m=41
